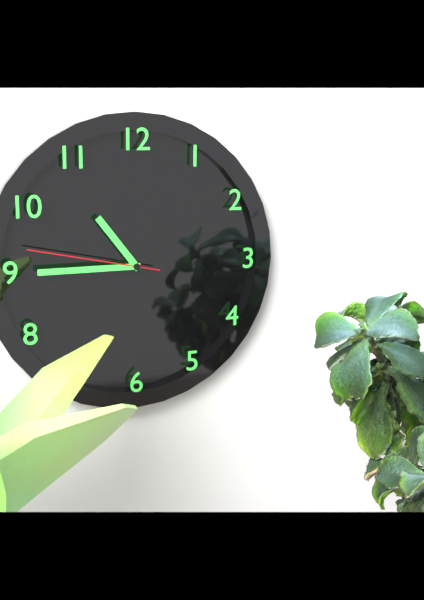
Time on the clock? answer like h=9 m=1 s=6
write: h=10 m=45 s=47
